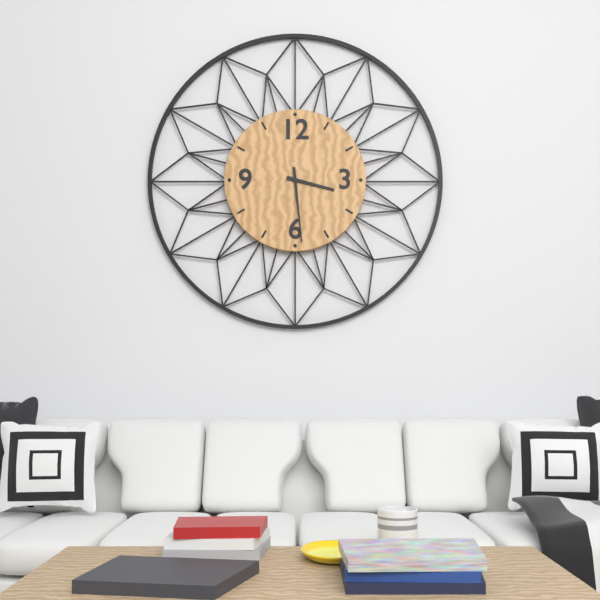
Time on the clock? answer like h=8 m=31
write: h=3 m=29
